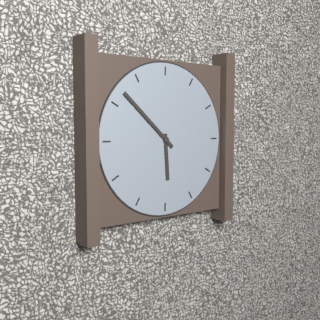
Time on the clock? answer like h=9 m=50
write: h=5 m=52
